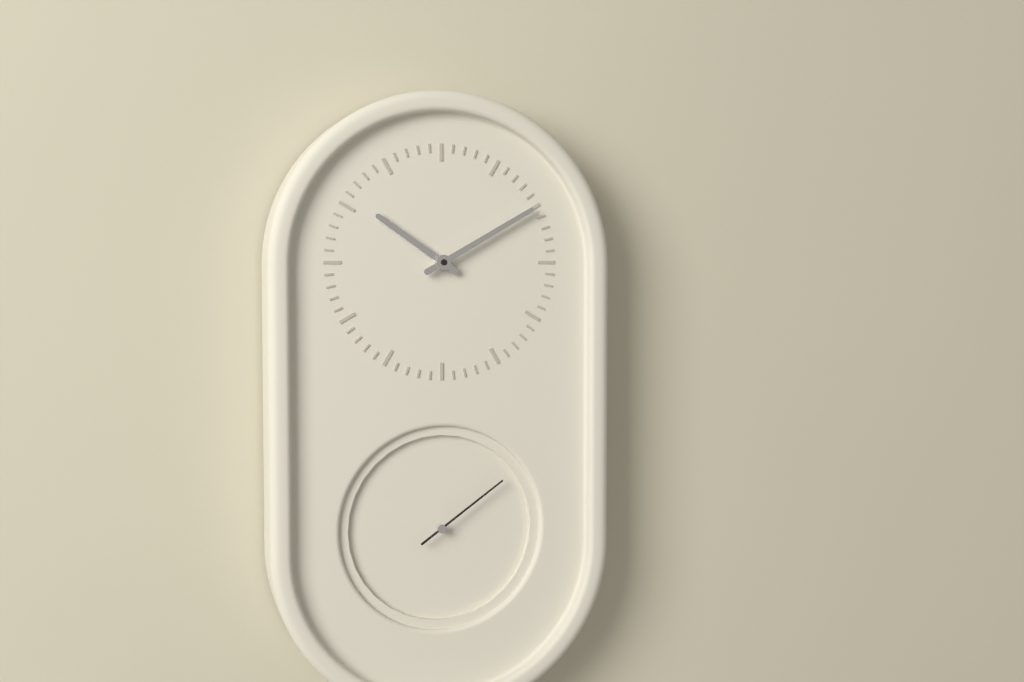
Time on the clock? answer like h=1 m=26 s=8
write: h=10 m=10 s=9
